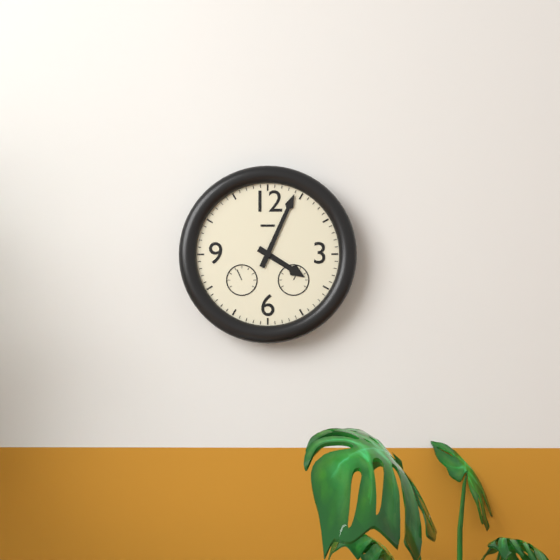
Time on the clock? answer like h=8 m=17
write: h=4 m=4
